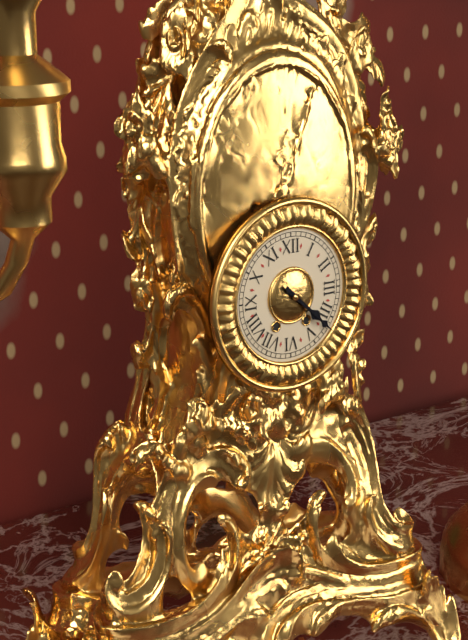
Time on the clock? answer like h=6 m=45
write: h=4 m=22
